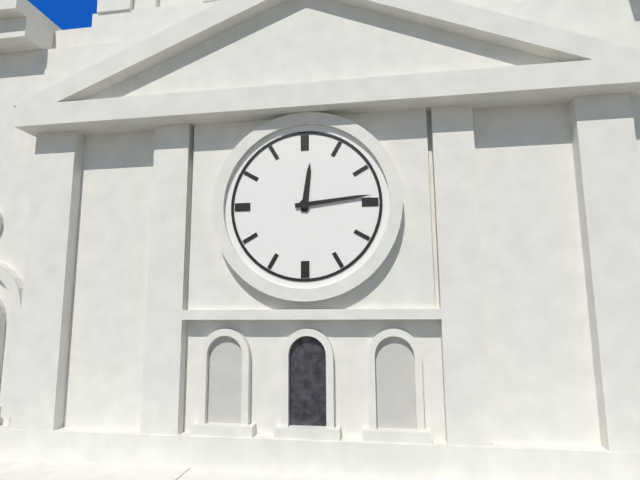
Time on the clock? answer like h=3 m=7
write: h=12 m=14
